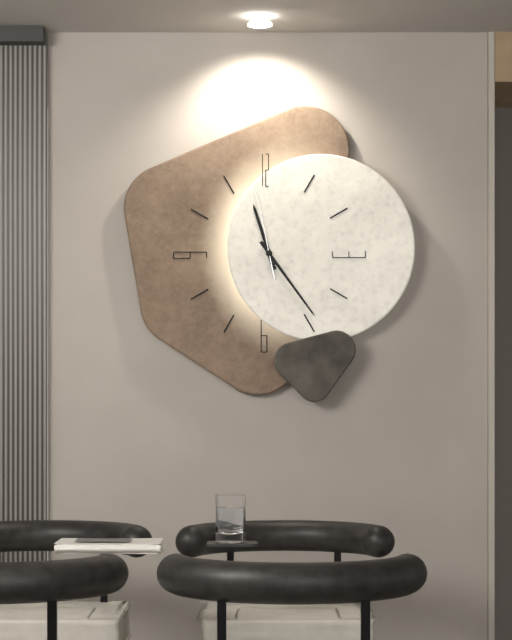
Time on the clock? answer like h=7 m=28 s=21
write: h=11 m=24 s=58
